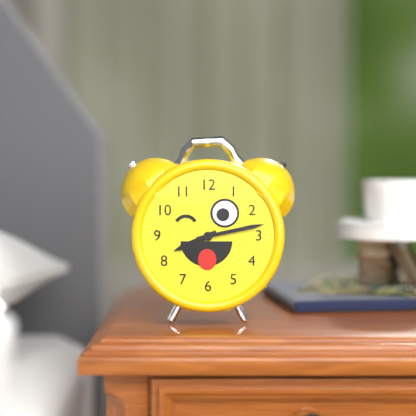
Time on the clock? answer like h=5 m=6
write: h=8 m=13
